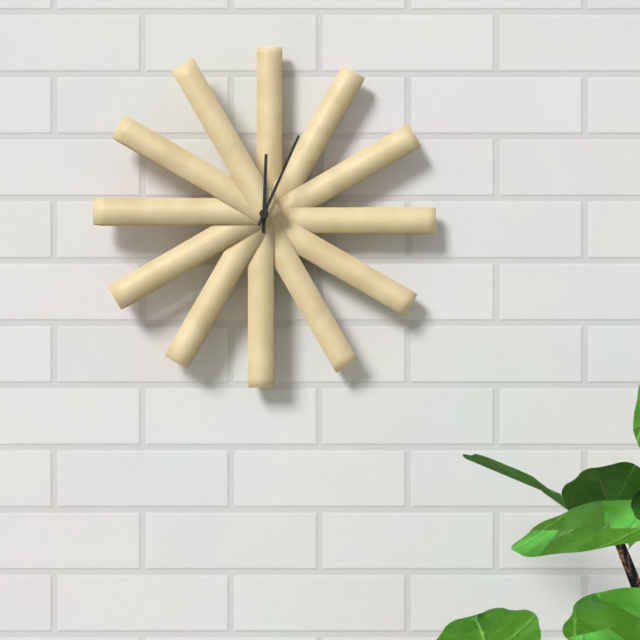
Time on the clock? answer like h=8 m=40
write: h=12 m=4
